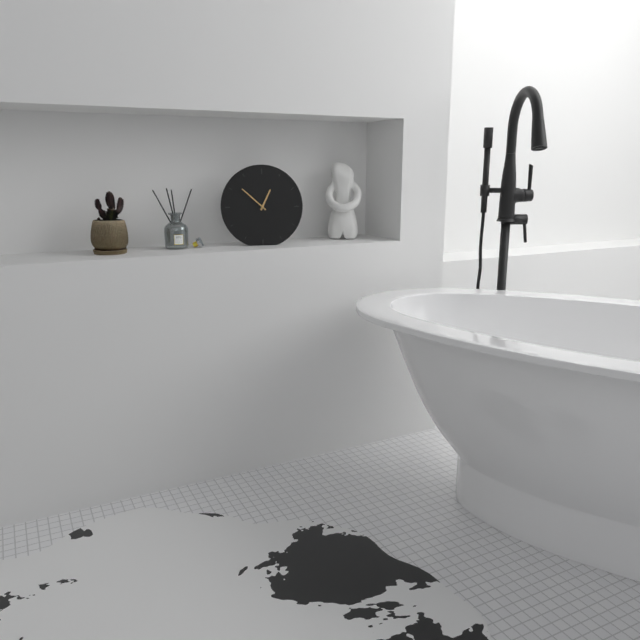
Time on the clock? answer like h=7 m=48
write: h=12 m=52
